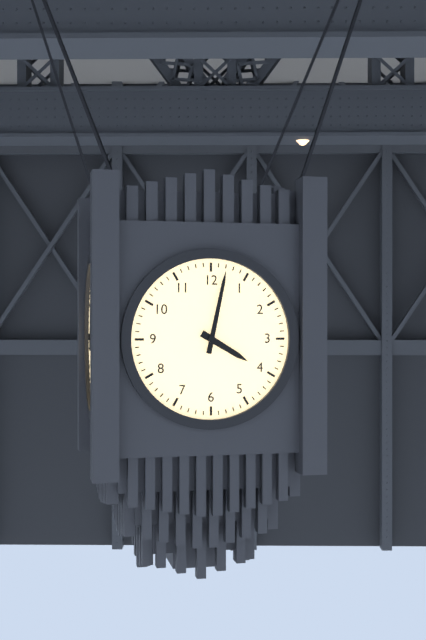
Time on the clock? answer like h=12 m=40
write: h=4 m=2
